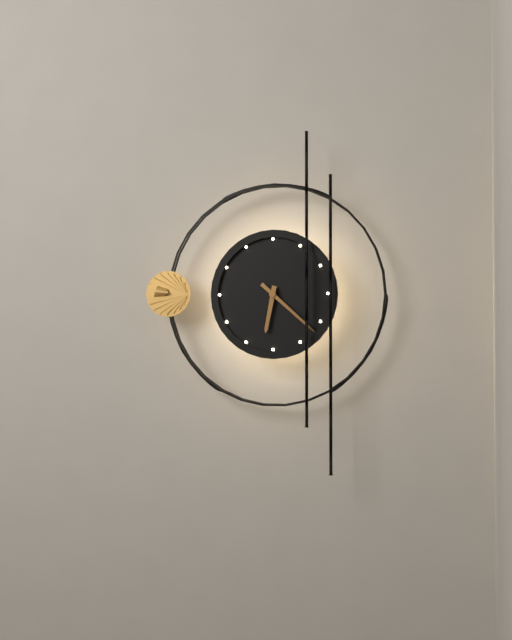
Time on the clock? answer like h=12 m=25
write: h=6 m=22
